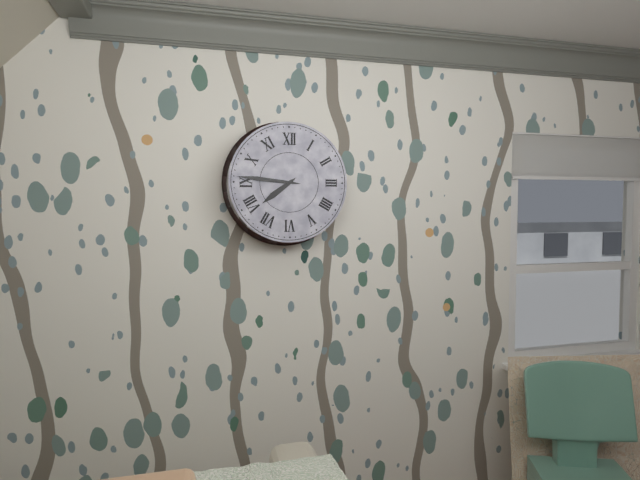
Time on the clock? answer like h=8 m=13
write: h=7 m=46
